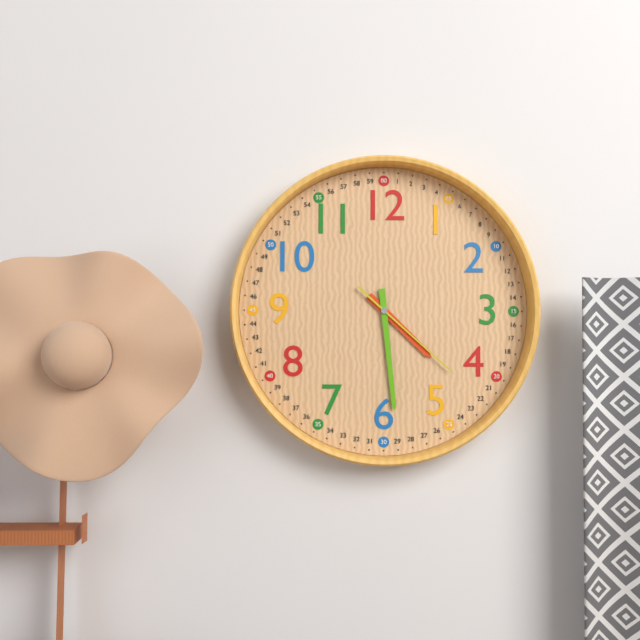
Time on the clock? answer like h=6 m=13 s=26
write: h=4 m=29 s=22
